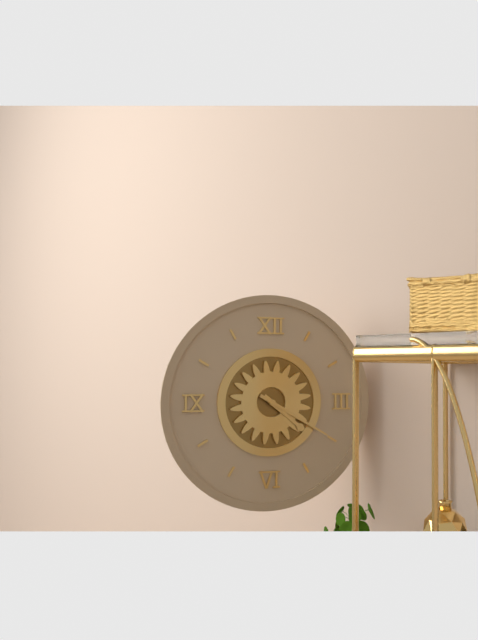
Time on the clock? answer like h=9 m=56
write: h=4 m=20
